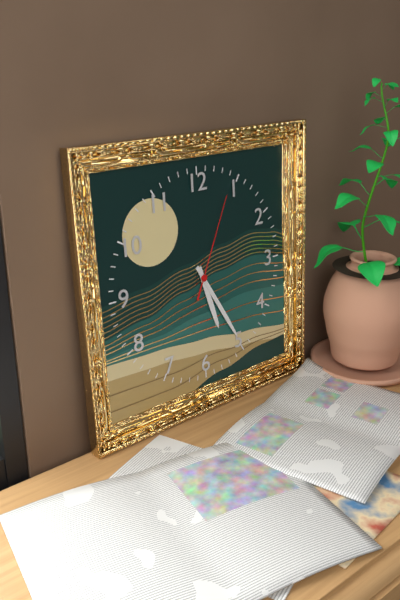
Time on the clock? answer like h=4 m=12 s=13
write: h=5 m=25 s=4
